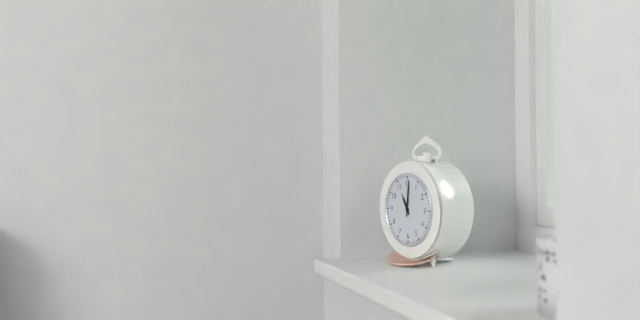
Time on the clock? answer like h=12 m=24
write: h=11 m=1
